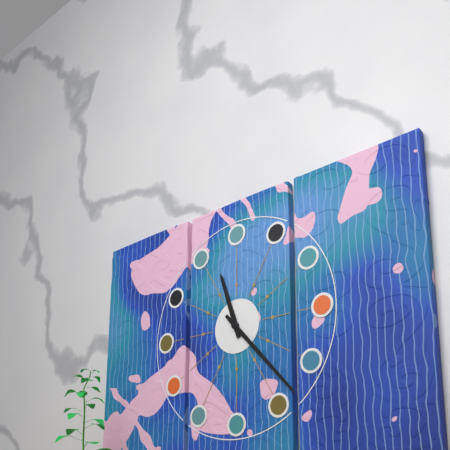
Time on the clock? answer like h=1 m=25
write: h=11 m=23
